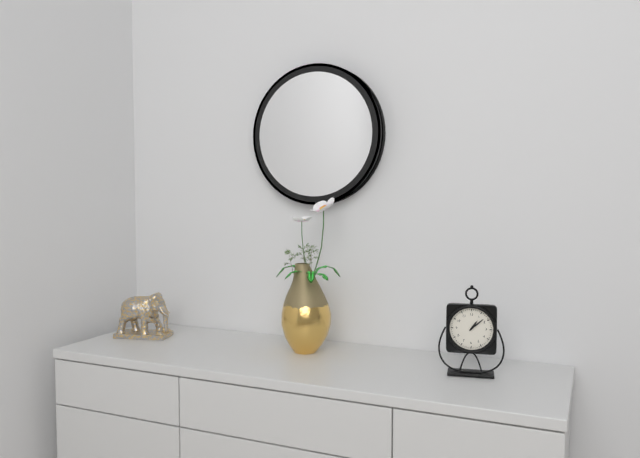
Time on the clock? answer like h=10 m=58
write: h=1 m=8
